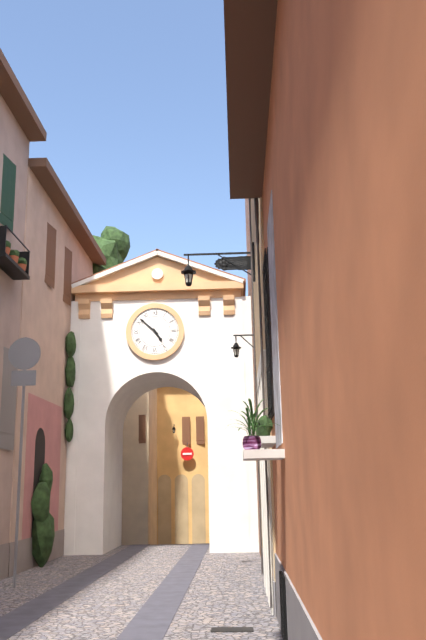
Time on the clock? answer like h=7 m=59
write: h=4 m=52
